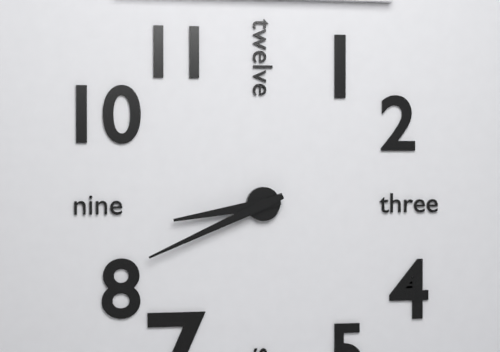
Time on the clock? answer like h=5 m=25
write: h=8 m=41
